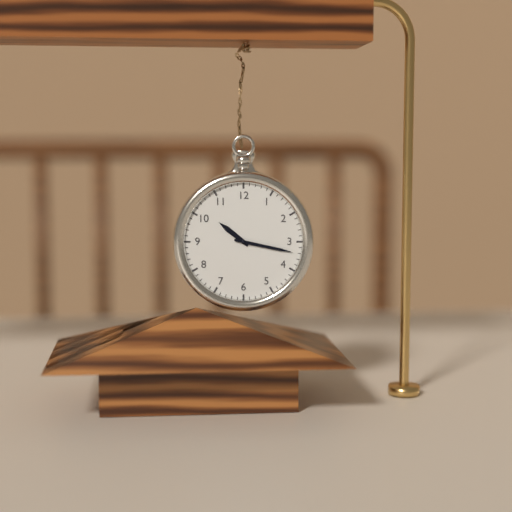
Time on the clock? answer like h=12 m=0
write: h=10 m=17
